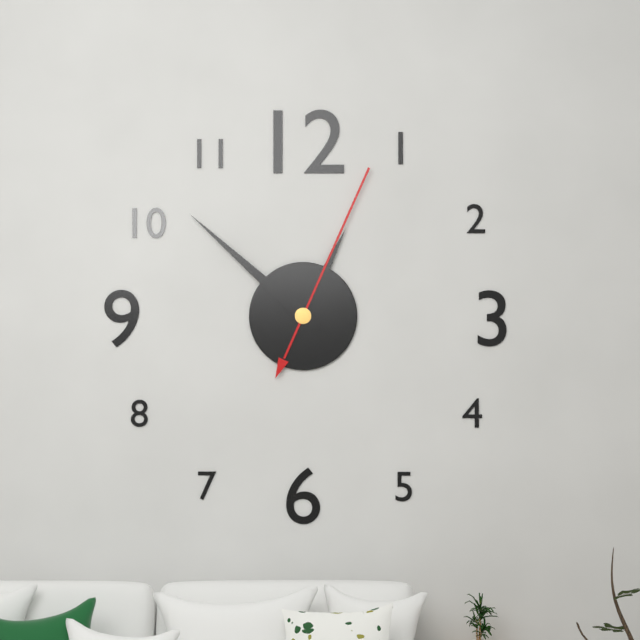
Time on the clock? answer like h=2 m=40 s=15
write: h=12 m=52 s=4
